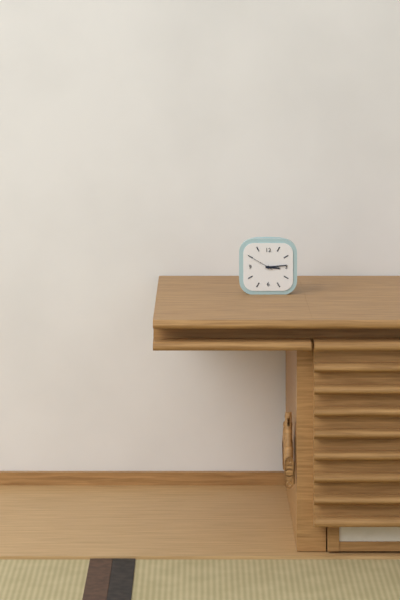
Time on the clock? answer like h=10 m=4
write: h=3 m=14
